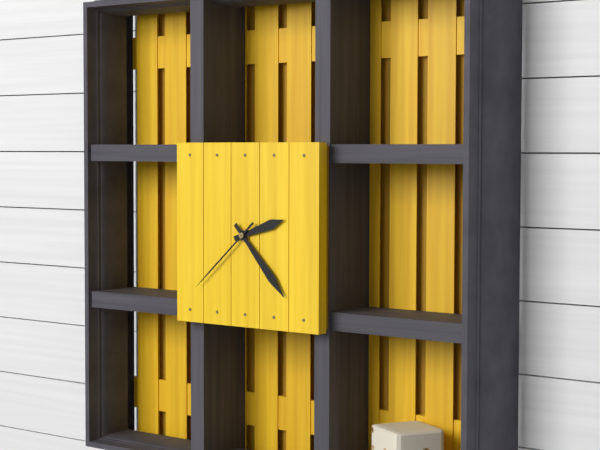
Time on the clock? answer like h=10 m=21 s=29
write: h=2 m=23 s=38
